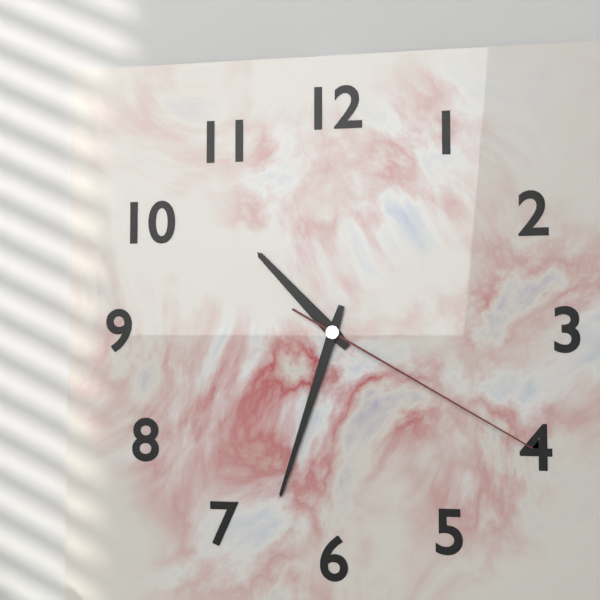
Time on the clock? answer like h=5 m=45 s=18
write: h=10 m=33 s=20
